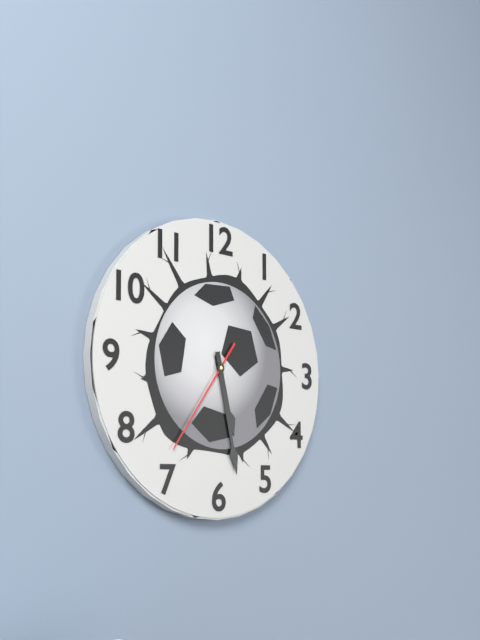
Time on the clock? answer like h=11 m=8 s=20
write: h=5 m=28 s=36
